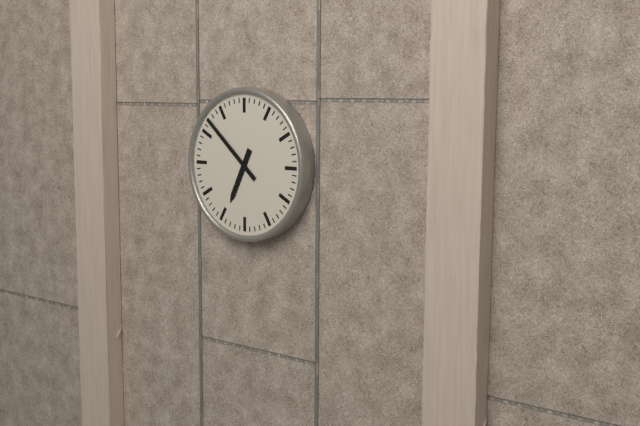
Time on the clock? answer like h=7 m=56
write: h=6 m=52
